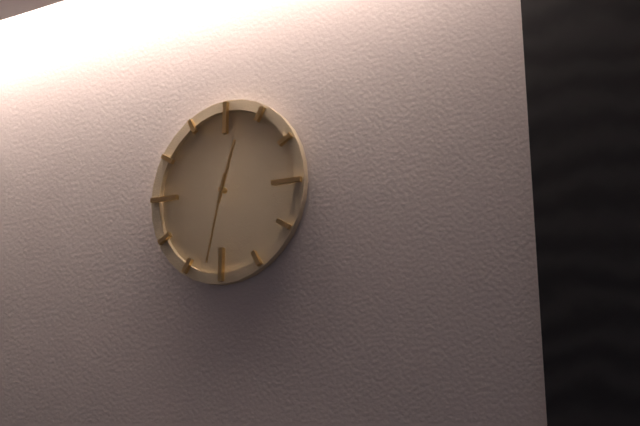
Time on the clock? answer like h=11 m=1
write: h=12 m=32
